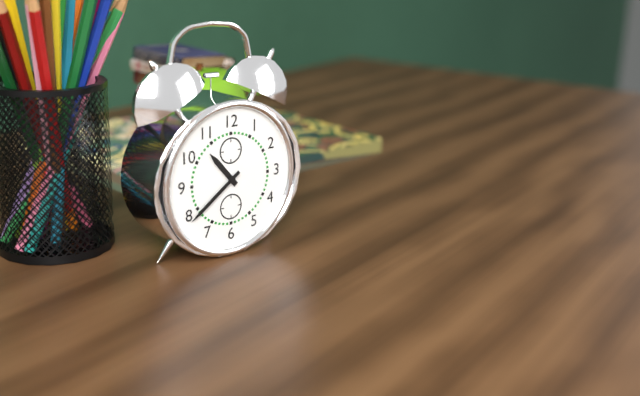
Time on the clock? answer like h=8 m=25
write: h=10 m=39
